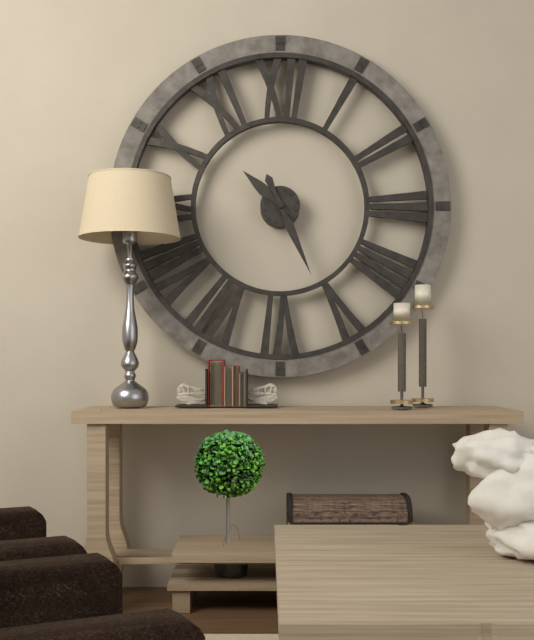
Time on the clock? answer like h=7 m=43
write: h=10 m=26
